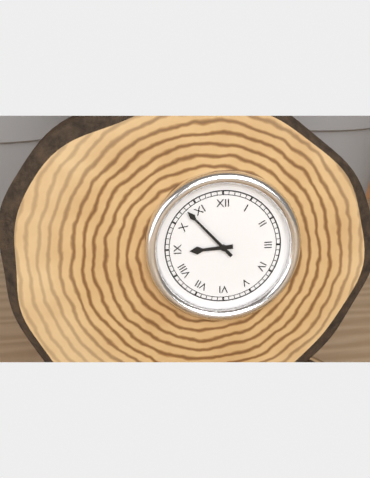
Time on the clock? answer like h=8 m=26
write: h=8 m=53
